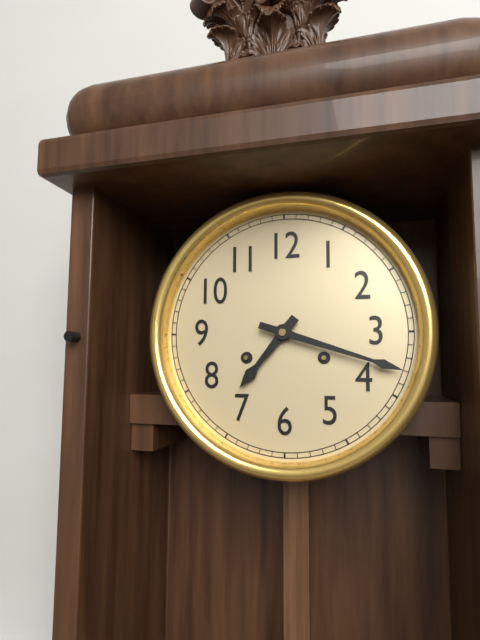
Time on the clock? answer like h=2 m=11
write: h=7 m=18
